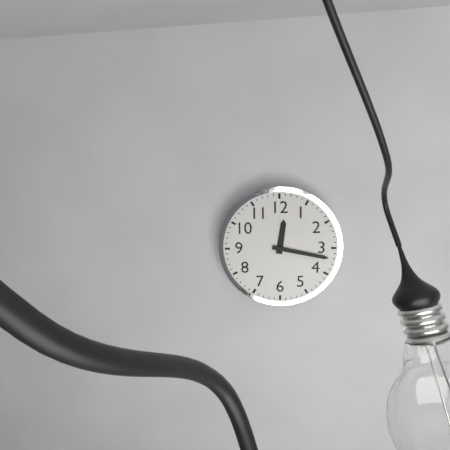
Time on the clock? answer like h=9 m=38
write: h=12 m=17
